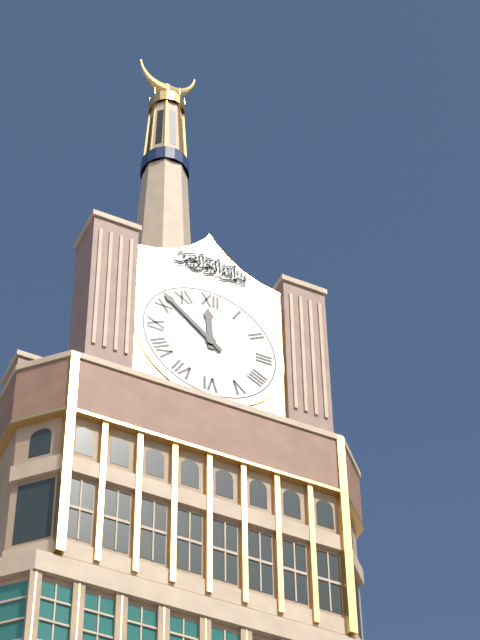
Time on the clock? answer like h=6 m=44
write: h=11 m=52
